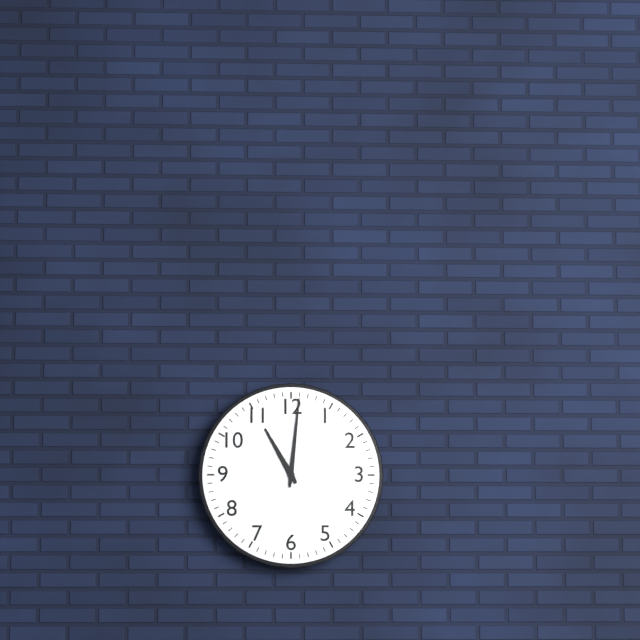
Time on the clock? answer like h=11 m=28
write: h=11 m=1
